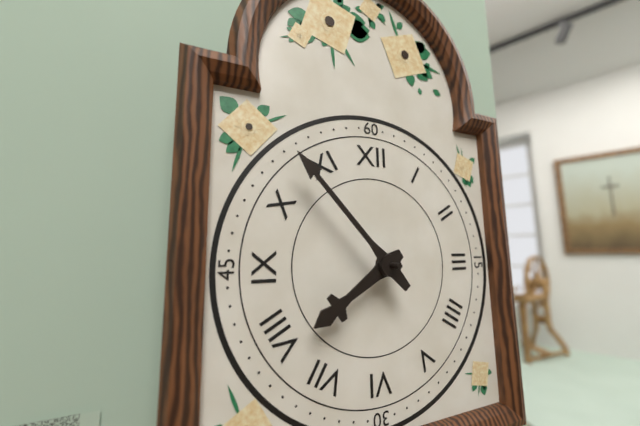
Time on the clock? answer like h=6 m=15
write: h=7 m=53
